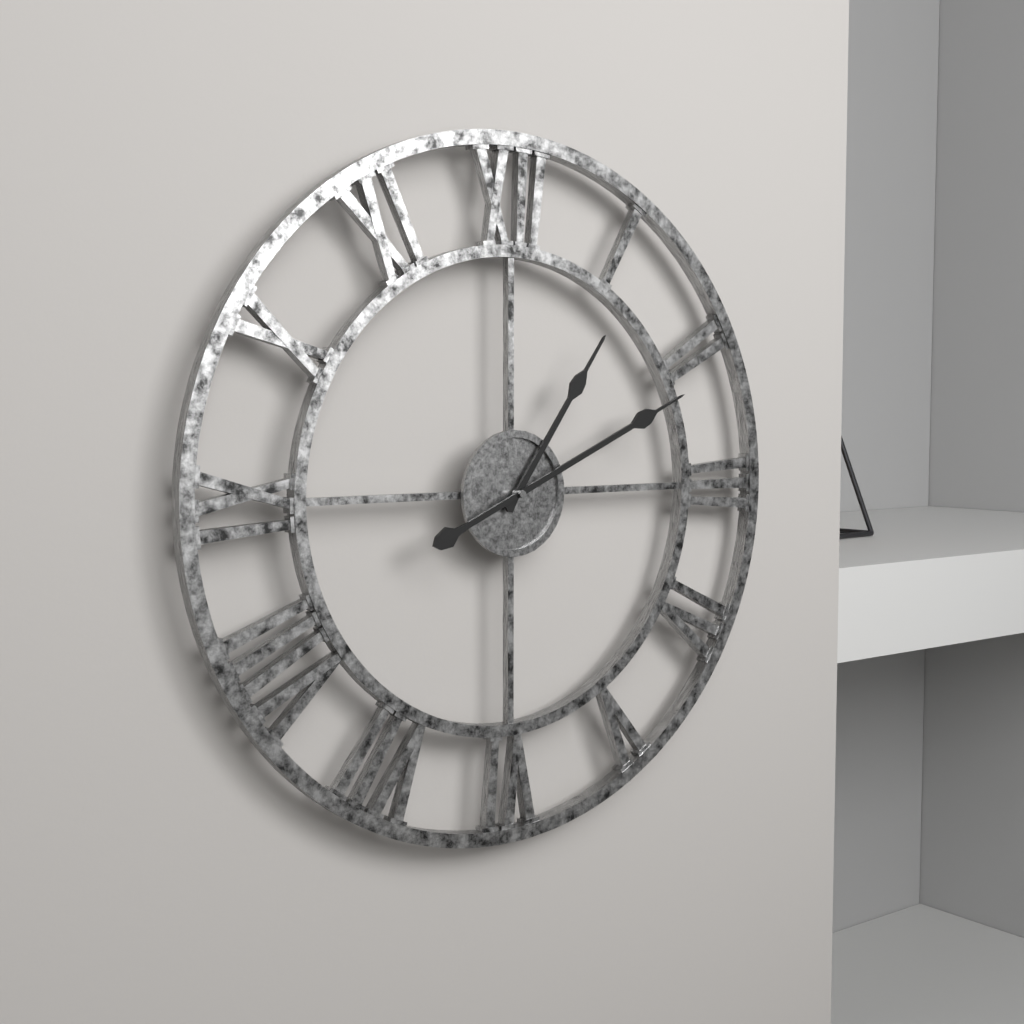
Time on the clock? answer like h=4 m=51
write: h=1 m=11
